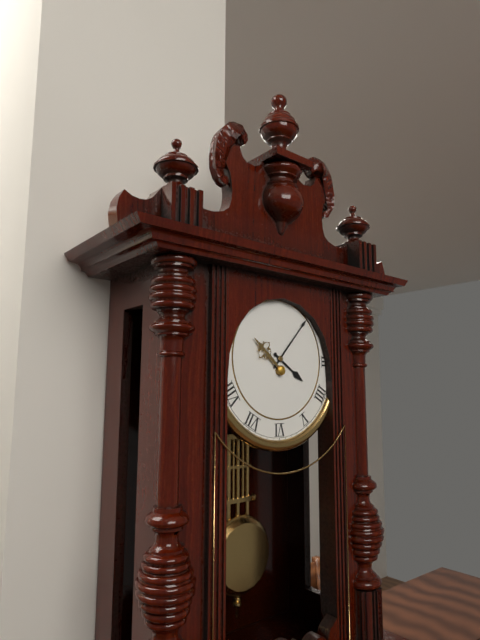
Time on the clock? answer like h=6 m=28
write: h=4 m=7
